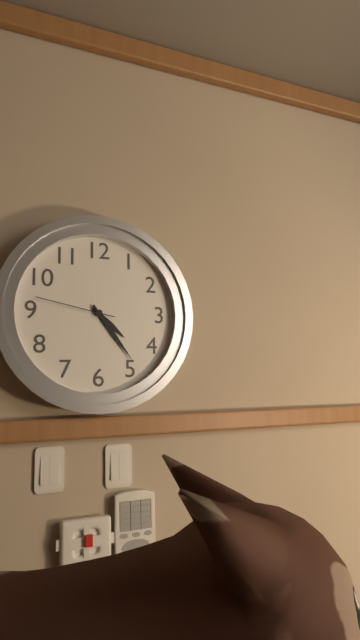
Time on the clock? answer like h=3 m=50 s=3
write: h=4 m=24 s=47
